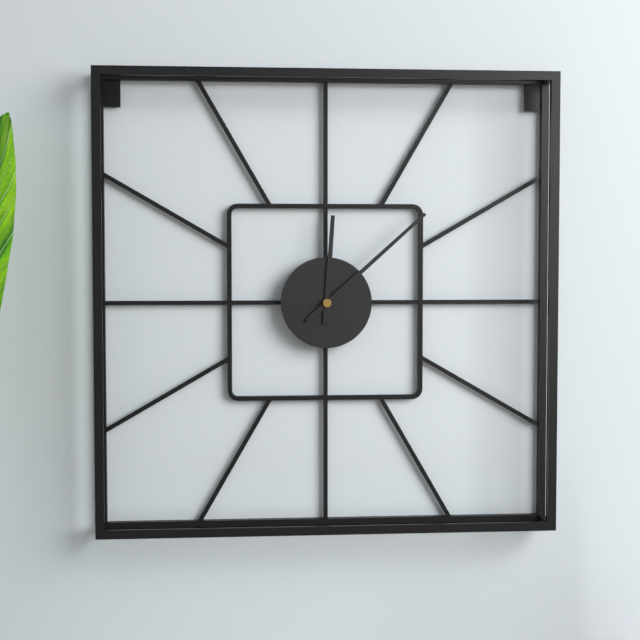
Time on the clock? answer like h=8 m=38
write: h=12 m=8
